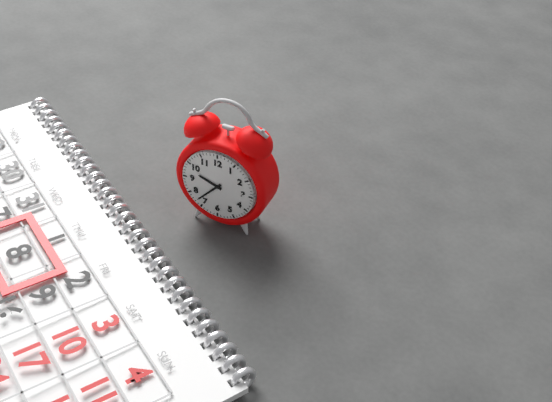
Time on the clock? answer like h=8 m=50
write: h=9 m=37
